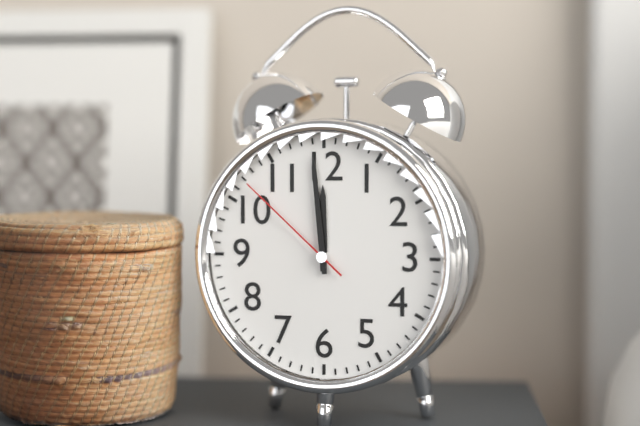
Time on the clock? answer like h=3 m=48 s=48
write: h=11 m=59 s=52
